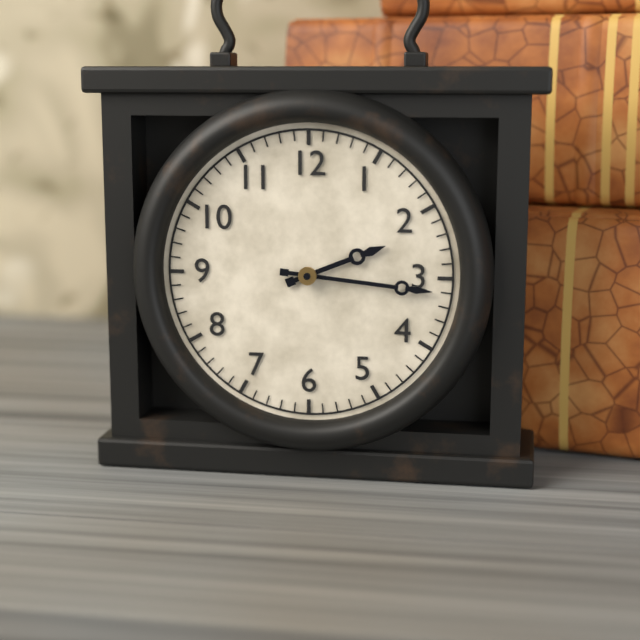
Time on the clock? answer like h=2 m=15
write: h=2 m=16
